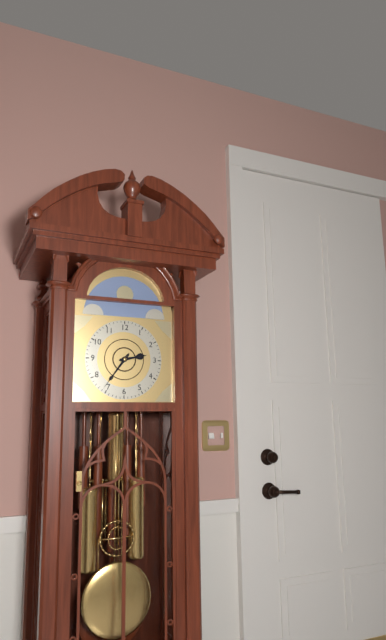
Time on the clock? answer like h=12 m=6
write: h=2 m=36
